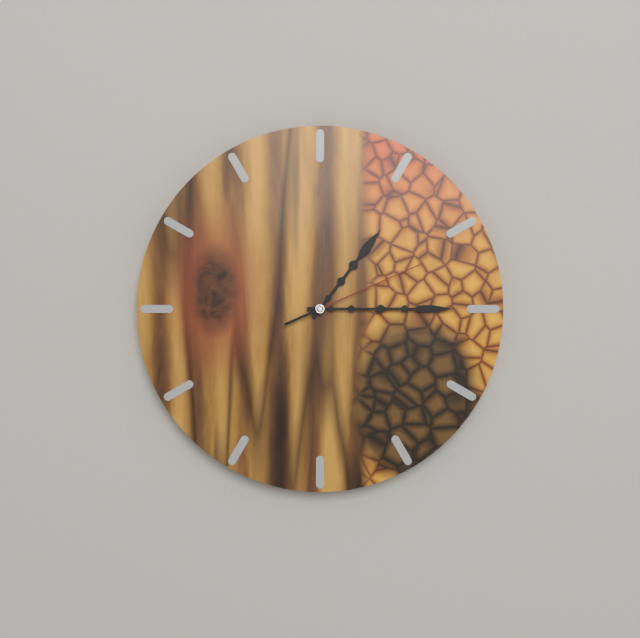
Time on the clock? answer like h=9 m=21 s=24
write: h=1 m=15 s=11
